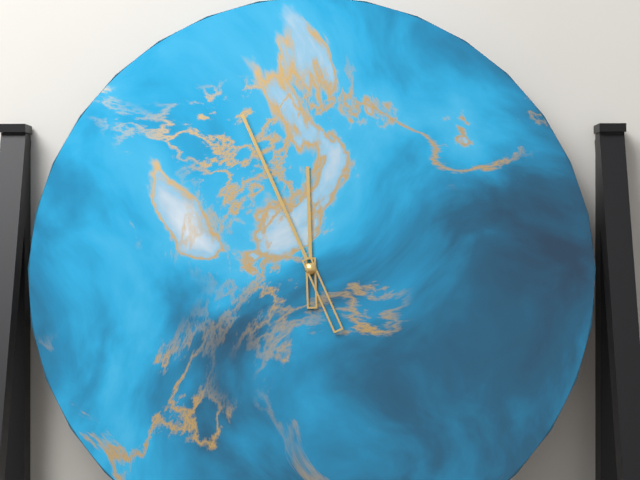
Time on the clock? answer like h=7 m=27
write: h=11 m=56
